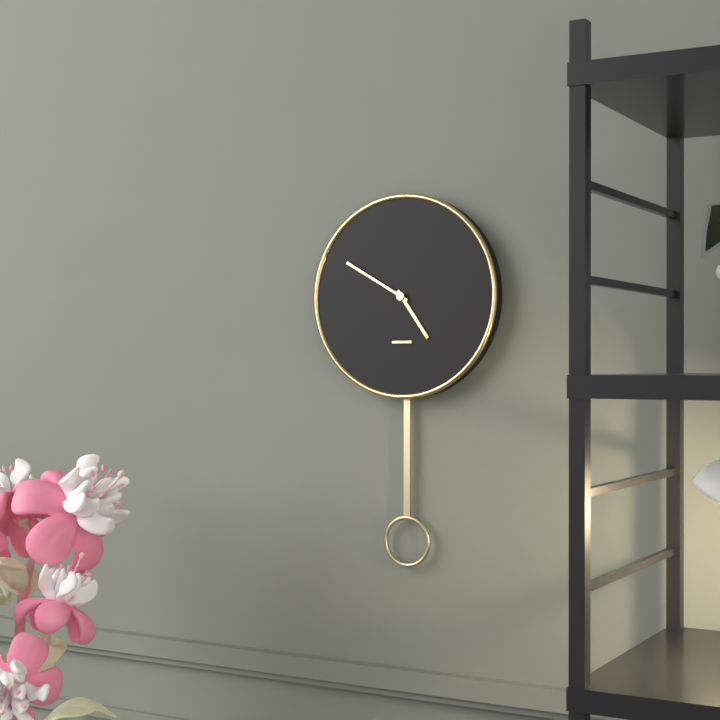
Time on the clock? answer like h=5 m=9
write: h=4 m=50
